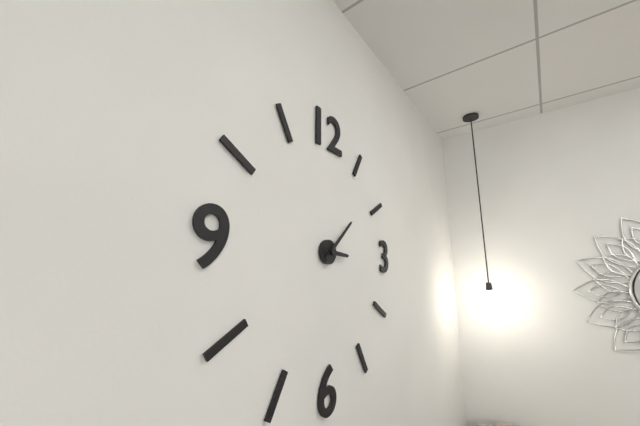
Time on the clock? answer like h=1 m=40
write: h=3 m=8
